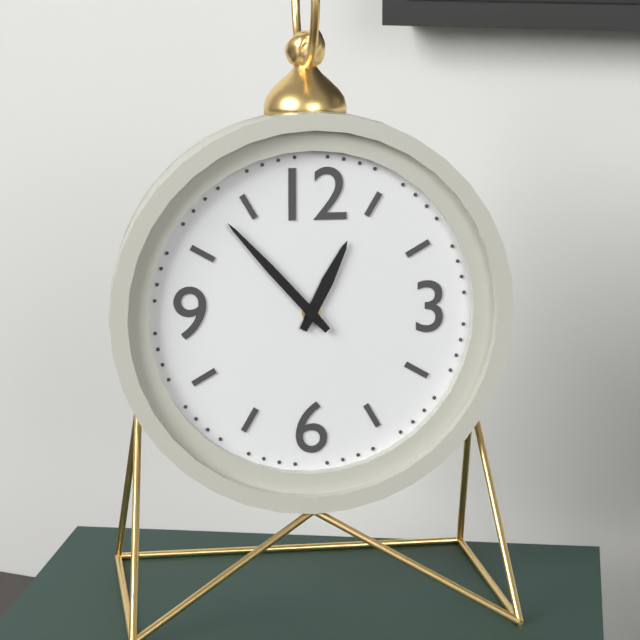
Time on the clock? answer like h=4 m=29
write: h=12 m=53
